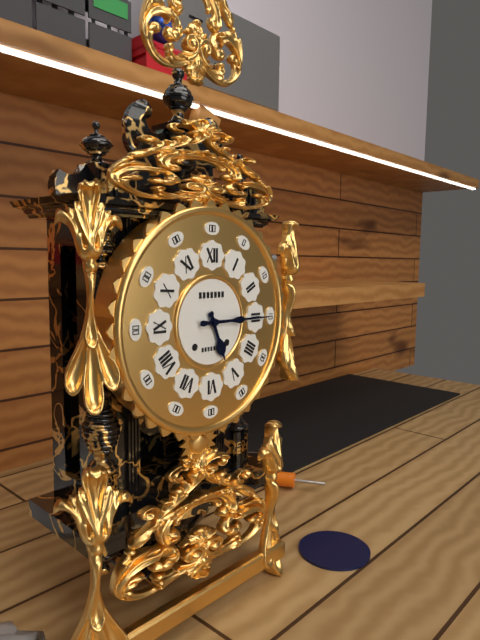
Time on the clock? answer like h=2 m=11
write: h=5 m=15
